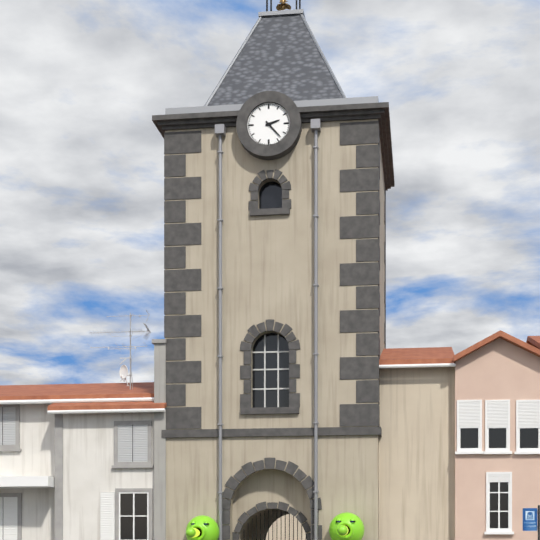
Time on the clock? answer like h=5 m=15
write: h=2 m=23
